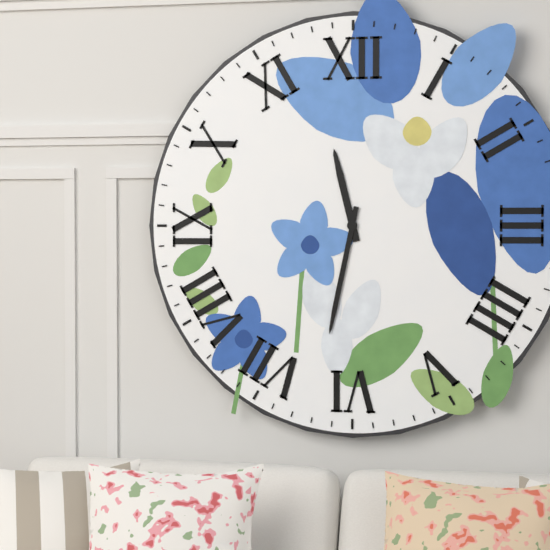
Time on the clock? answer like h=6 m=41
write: h=11 m=32
